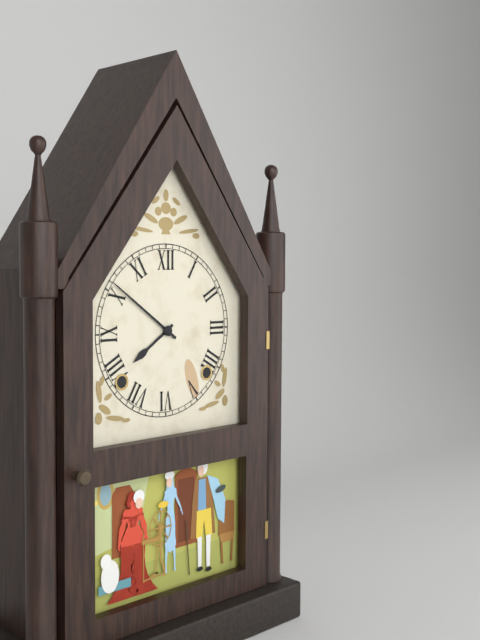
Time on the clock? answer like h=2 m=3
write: h=7 m=51
